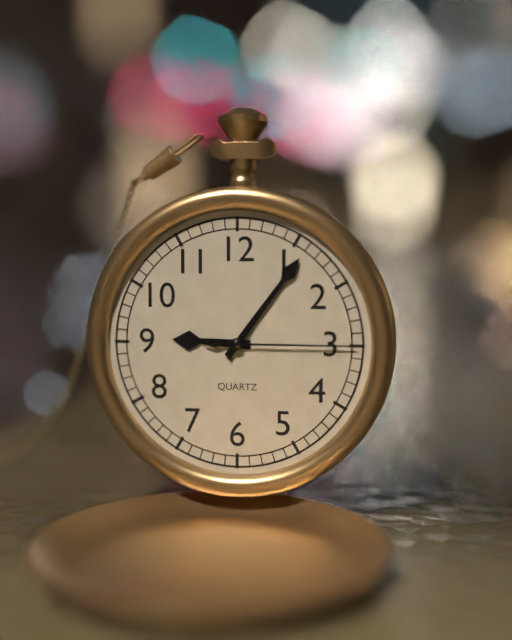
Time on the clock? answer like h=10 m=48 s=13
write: h=9 m=6 s=15
